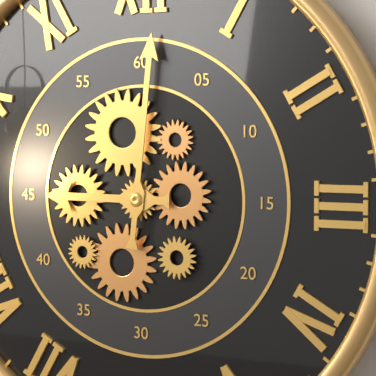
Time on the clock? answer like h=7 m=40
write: h=9 m=1
